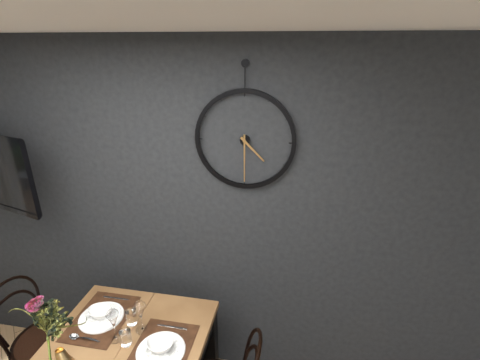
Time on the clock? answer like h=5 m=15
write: h=4 m=30
